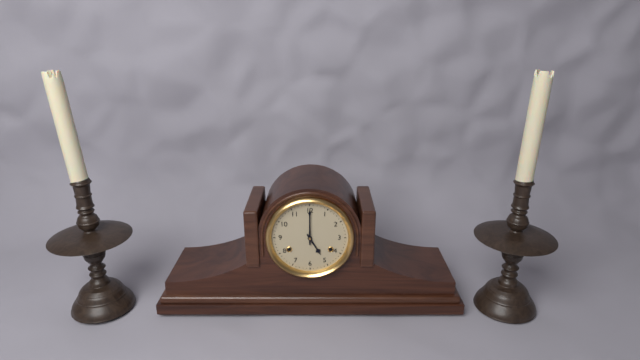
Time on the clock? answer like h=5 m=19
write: h=5 m=0
